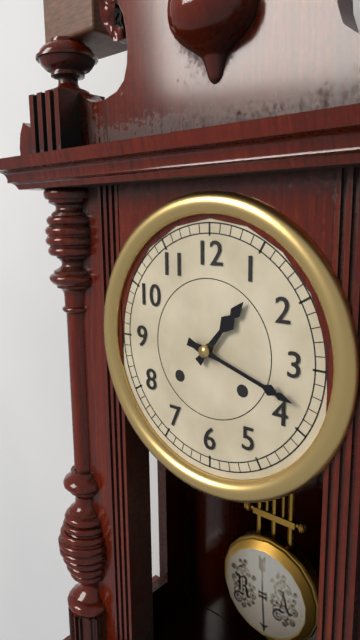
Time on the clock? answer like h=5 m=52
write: h=1 m=18
